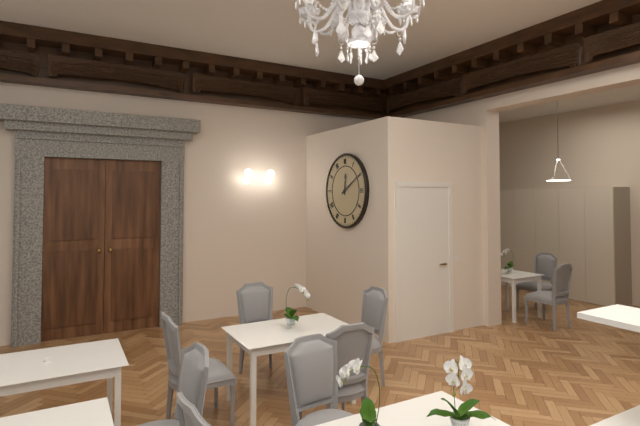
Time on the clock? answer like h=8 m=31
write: h=12 m=10
